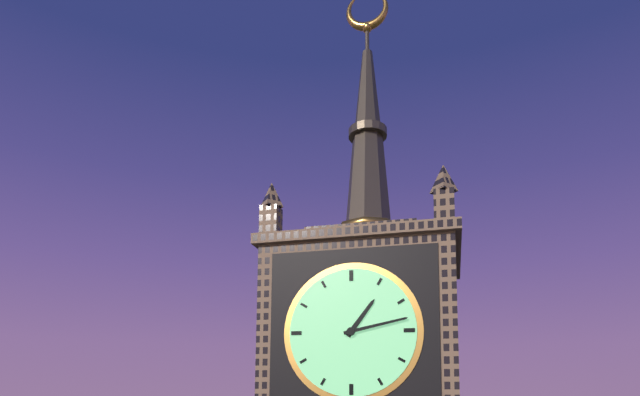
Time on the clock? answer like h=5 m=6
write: h=1 m=13
